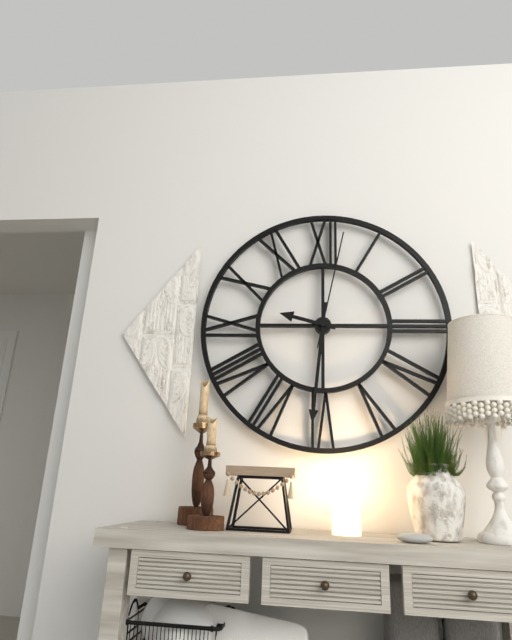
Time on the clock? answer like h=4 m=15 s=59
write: h=9 m=31 s=2
